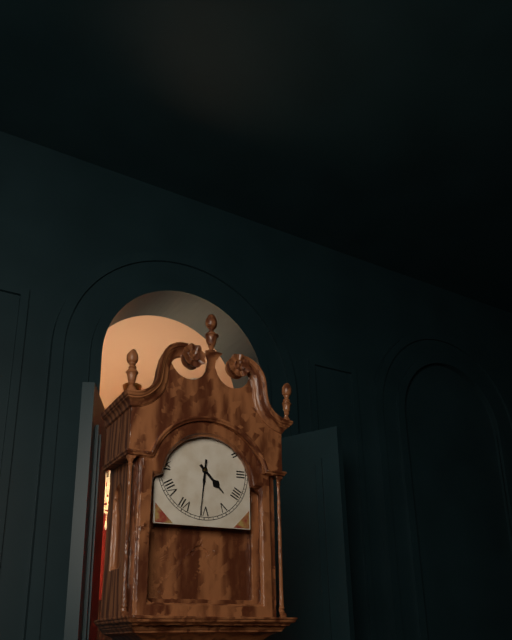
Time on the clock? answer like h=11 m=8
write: h=4 m=31
